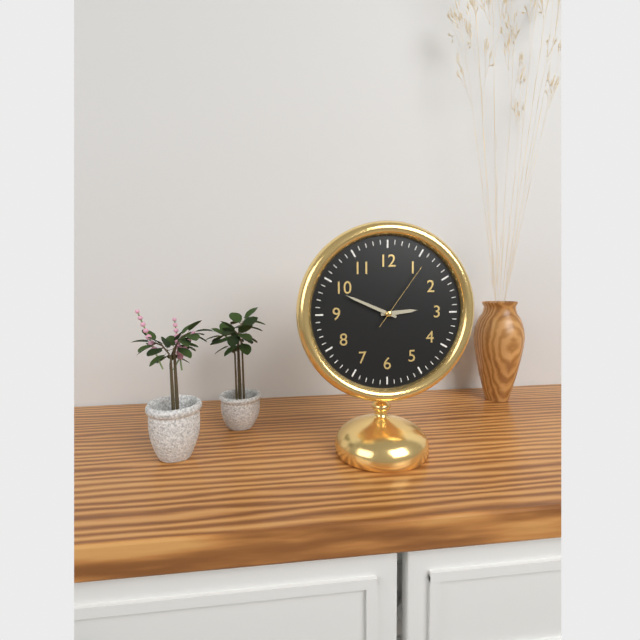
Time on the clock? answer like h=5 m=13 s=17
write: h=2 m=49 s=6
